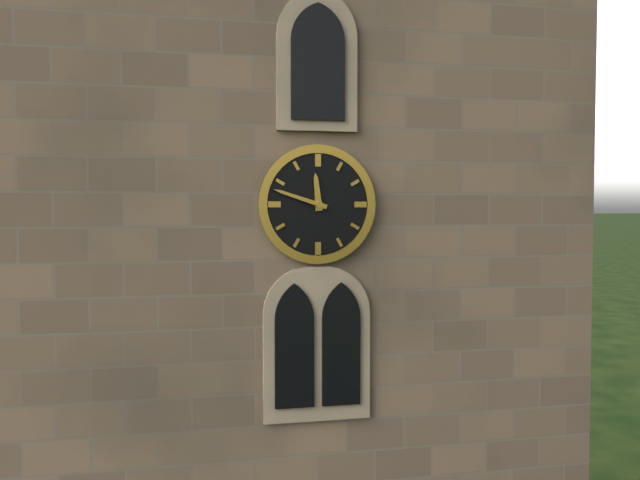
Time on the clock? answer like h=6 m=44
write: h=11 m=48
